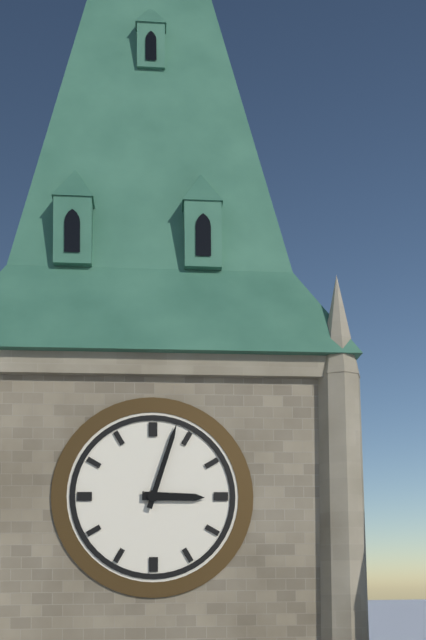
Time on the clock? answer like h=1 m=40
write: h=3 m=3
